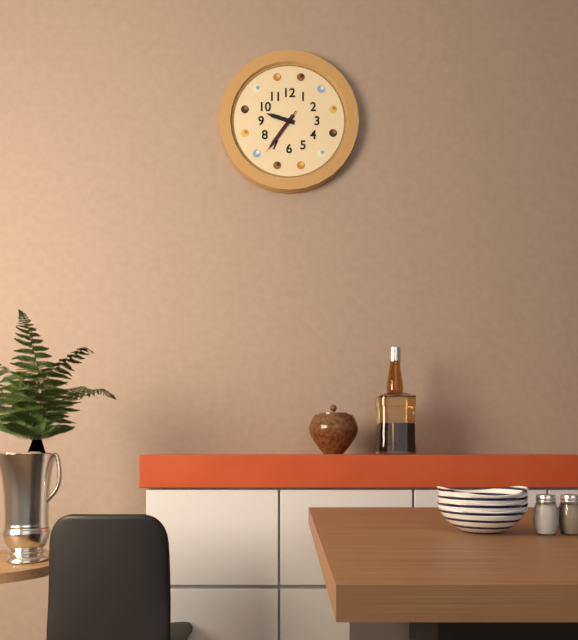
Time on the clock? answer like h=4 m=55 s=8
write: h=9 m=36 s=36
